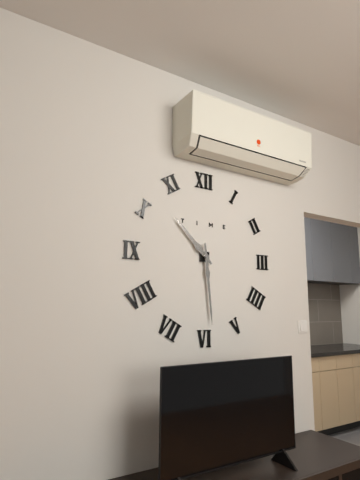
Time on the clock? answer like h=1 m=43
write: h=10 m=29
